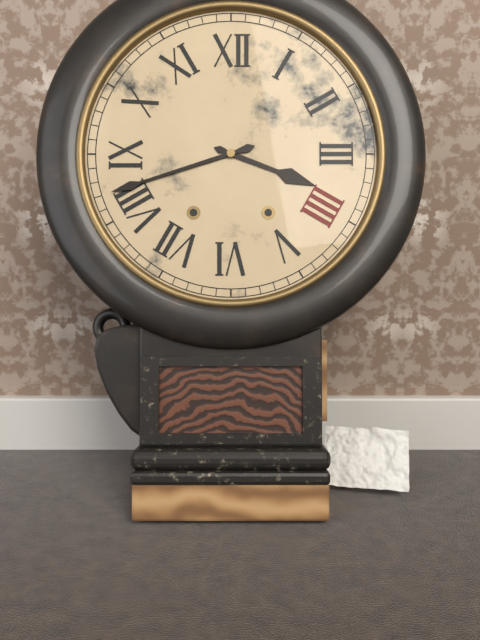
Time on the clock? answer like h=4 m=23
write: h=3 m=42
